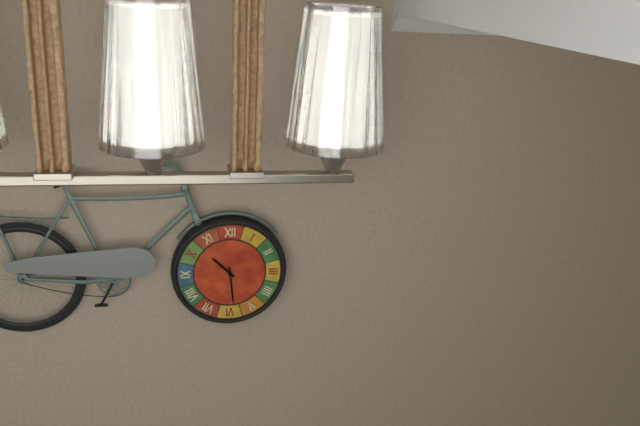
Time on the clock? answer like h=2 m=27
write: h=10 m=29
